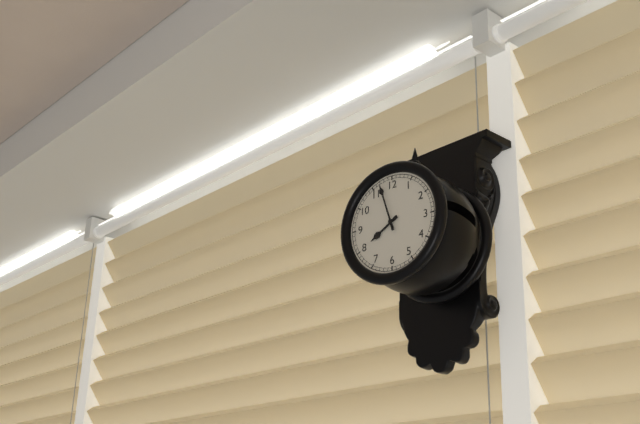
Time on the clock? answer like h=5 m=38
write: h=7 m=57
